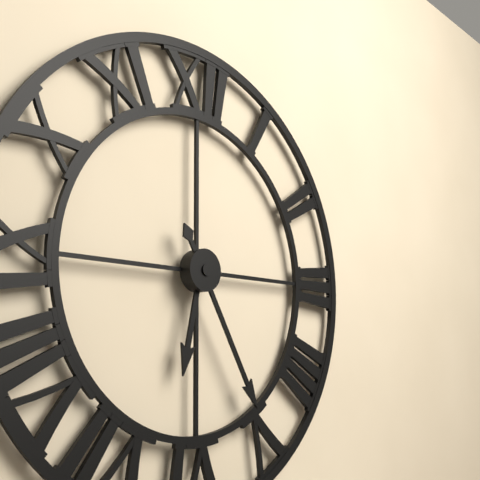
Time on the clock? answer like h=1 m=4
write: h=6 m=25
